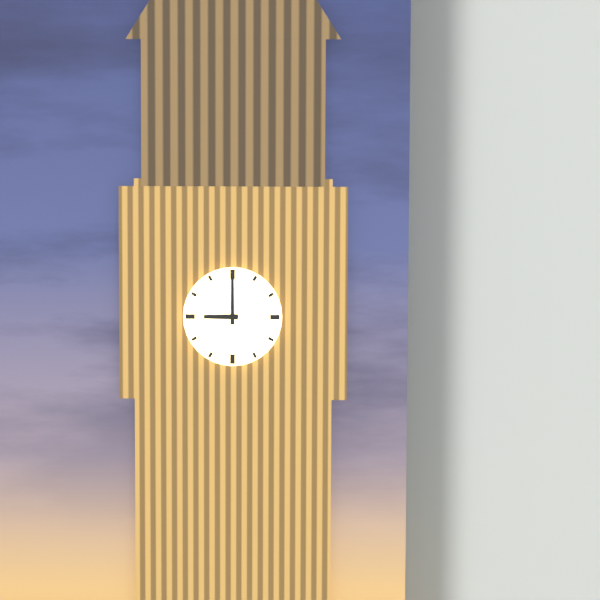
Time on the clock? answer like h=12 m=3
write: h=9 m=0
